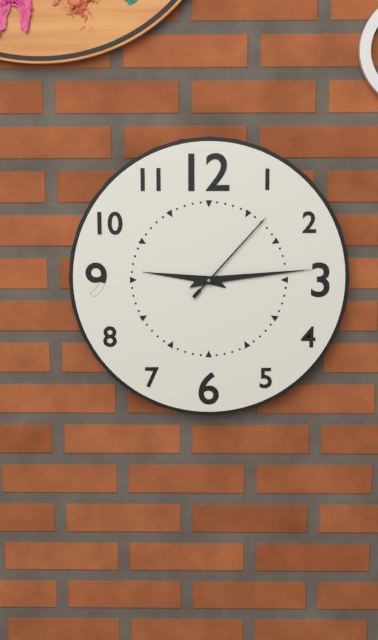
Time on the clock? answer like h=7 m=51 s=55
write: h=9 m=14 s=7
